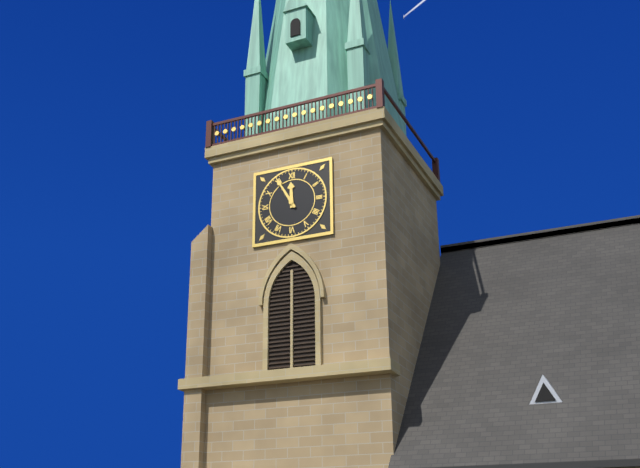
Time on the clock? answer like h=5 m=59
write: h=11 m=55
